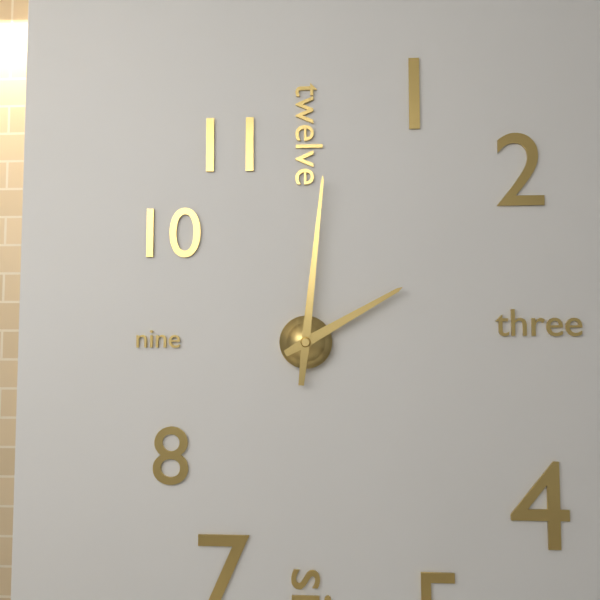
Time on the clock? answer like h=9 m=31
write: h=2 m=1
